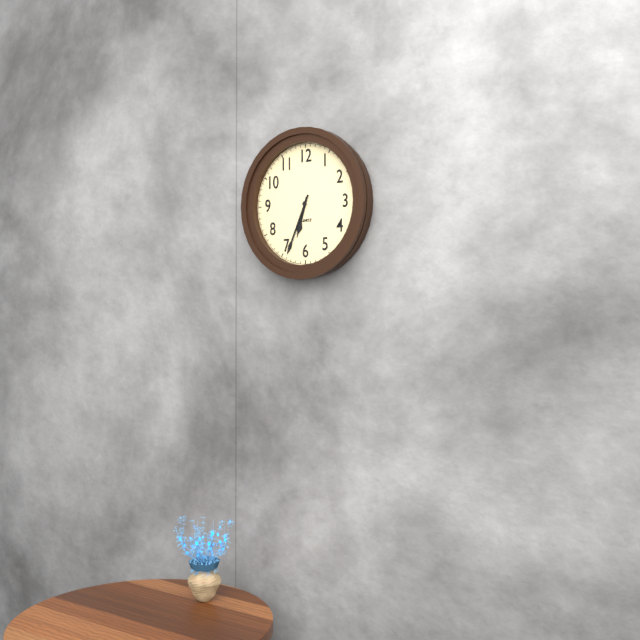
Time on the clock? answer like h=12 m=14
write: h=6 m=34
